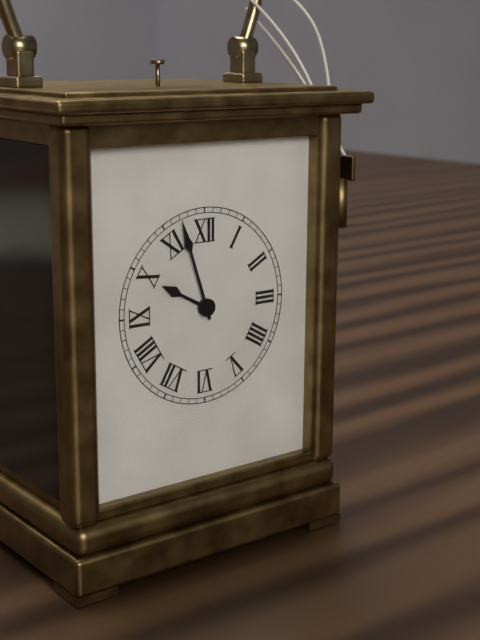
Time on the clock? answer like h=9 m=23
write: h=9 m=57
